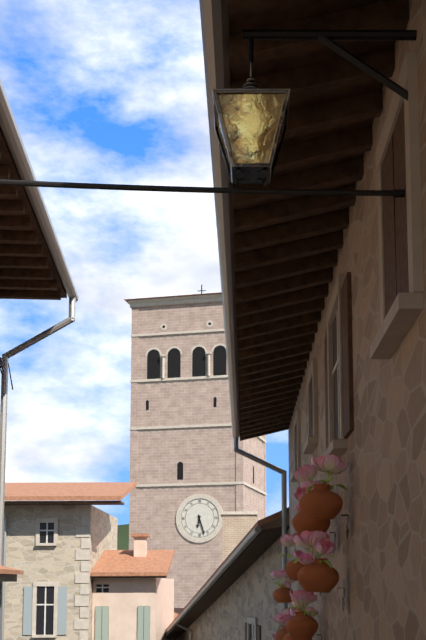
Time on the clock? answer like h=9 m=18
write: h=6 m=27
